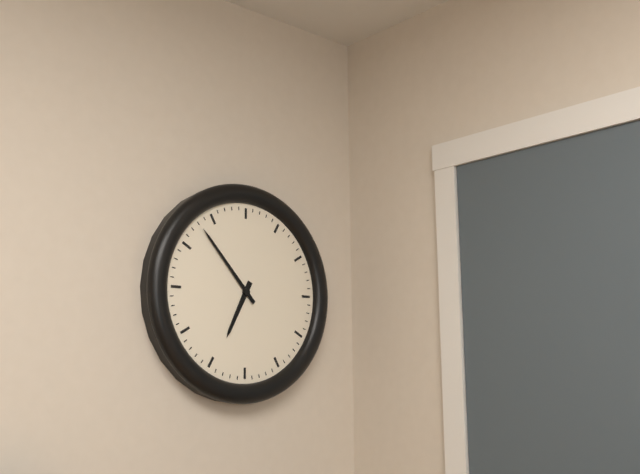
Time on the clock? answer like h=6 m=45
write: h=6 m=53
